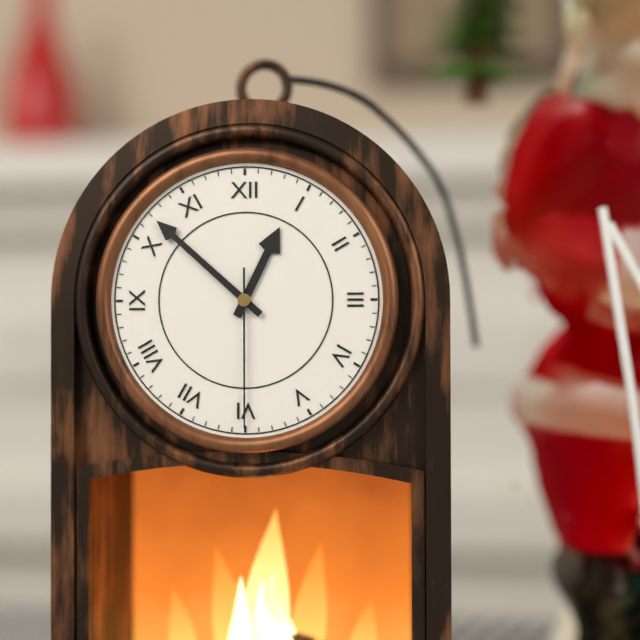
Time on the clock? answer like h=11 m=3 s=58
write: h=12 m=52 s=30
